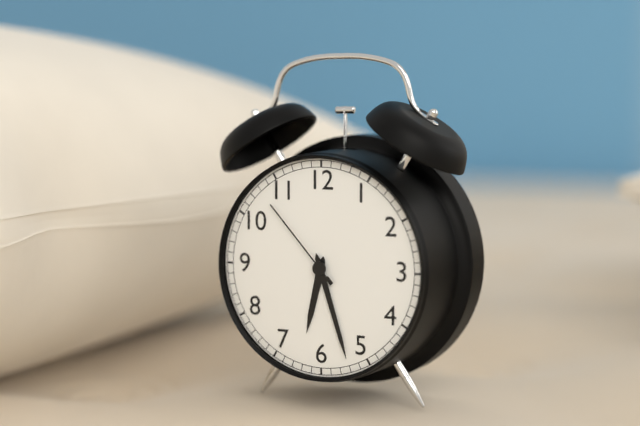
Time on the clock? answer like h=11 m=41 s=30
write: h=6 m=27 s=53
